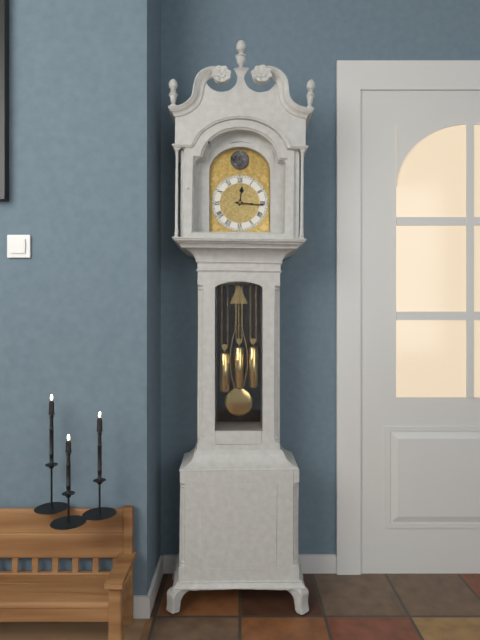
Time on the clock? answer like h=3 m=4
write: h=12 m=16
